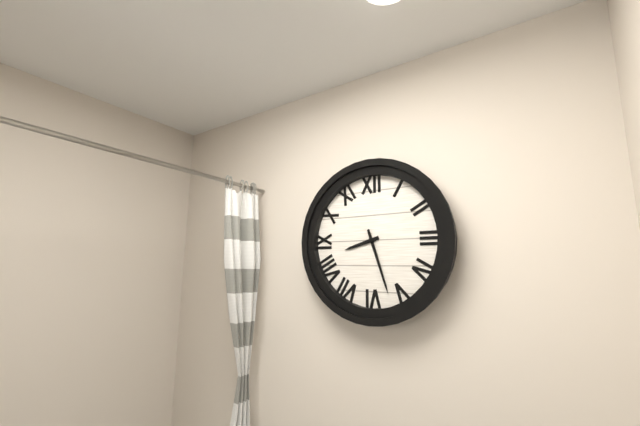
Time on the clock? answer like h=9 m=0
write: h=8 m=27
